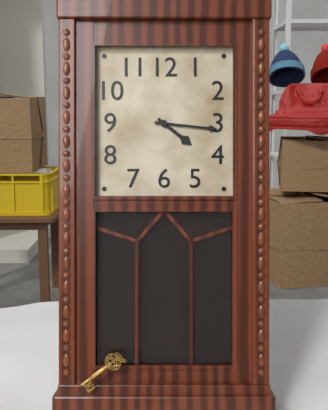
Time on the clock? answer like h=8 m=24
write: h=4 m=16
